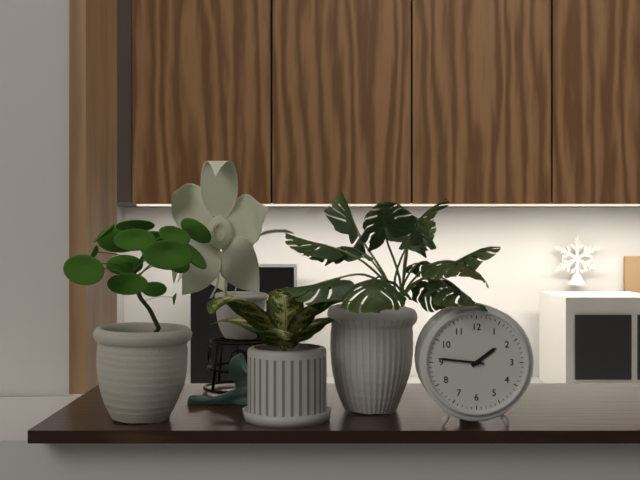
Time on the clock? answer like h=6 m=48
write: h=1 m=46
